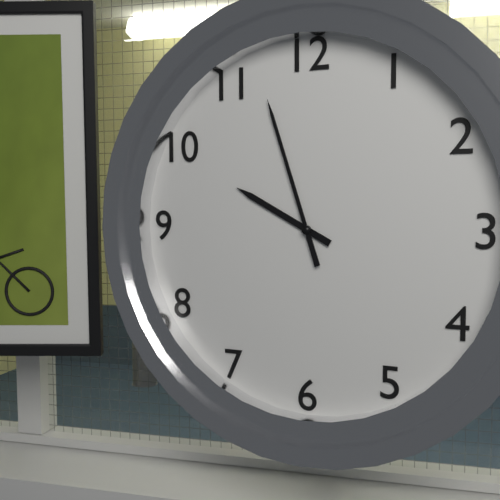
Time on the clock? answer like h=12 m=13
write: h=9 m=57
